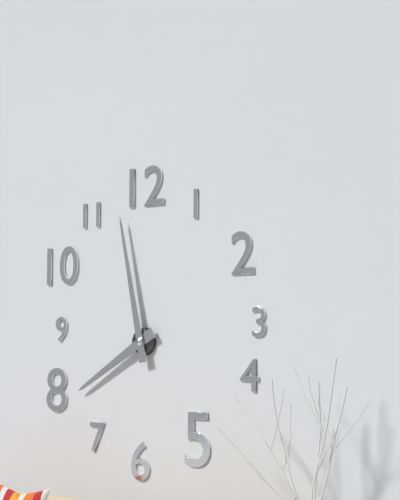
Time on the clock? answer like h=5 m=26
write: h=7 m=58
